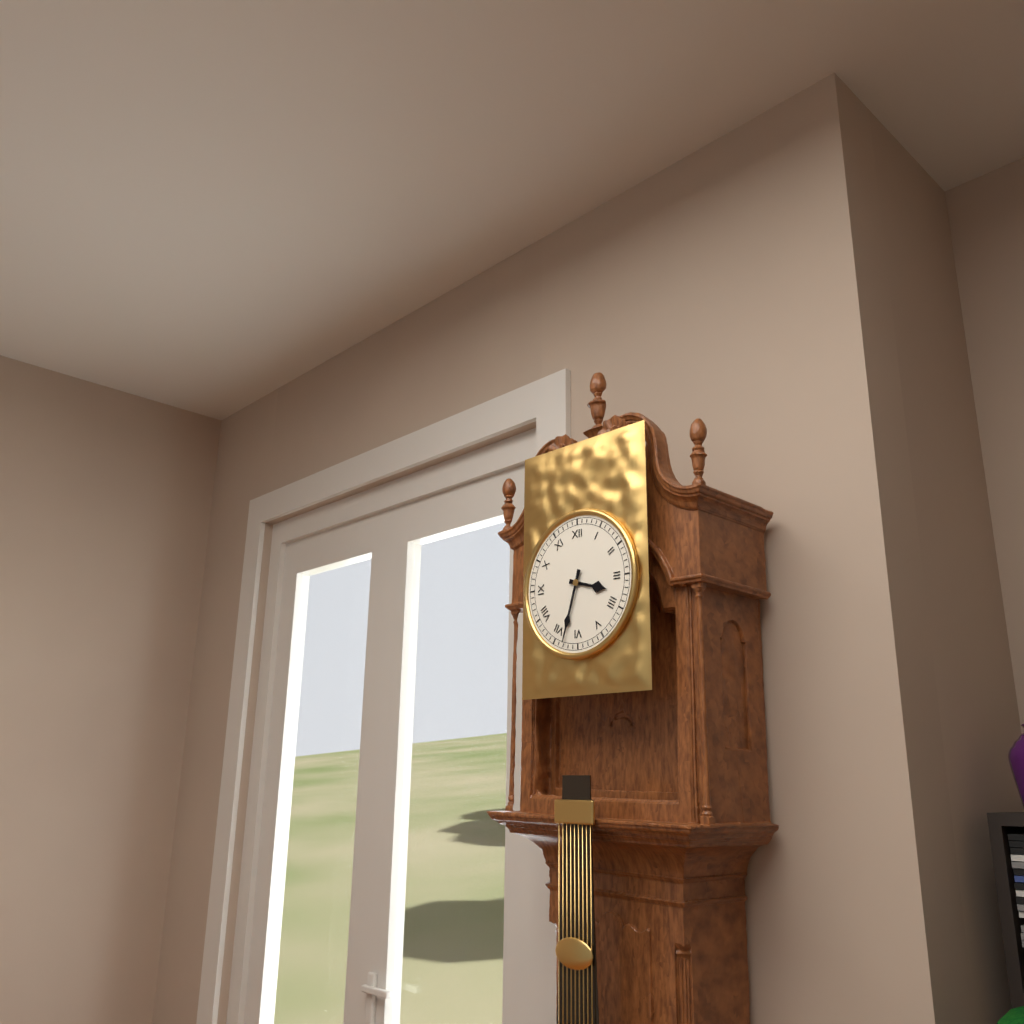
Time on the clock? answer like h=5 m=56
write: h=3 m=33
